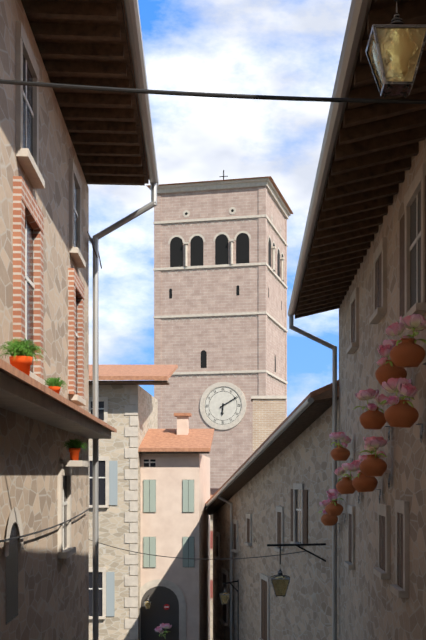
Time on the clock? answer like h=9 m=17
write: h=6 m=10
